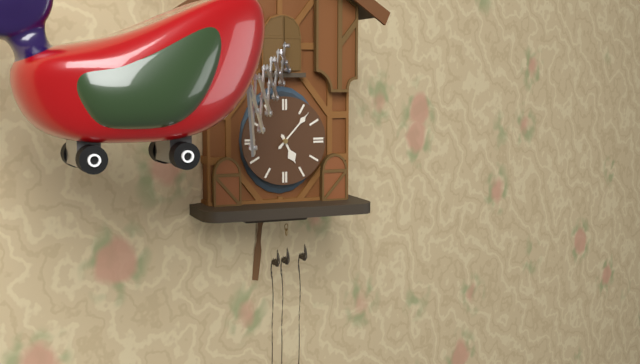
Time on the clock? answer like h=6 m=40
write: h=5 m=7
